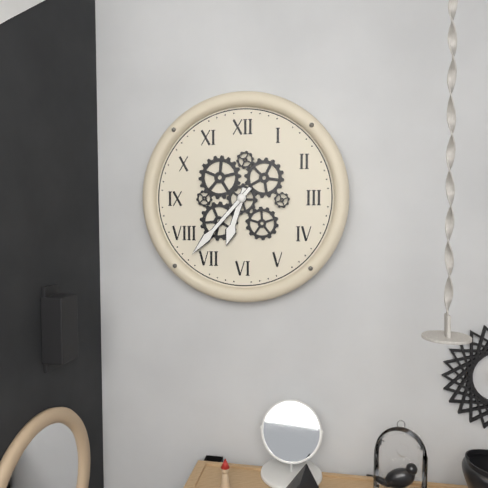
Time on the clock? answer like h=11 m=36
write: h=6 m=37
